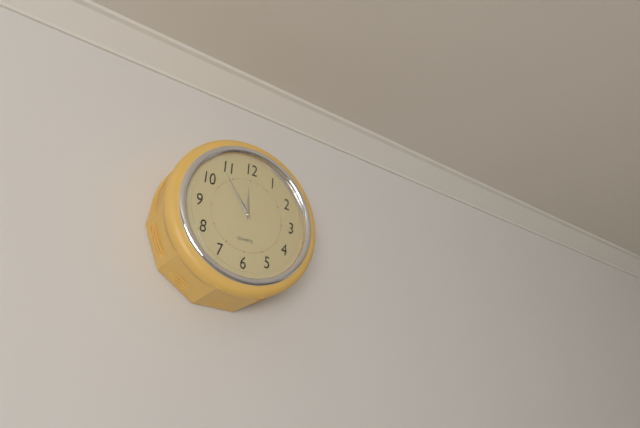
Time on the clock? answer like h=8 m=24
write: h=11 m=54
